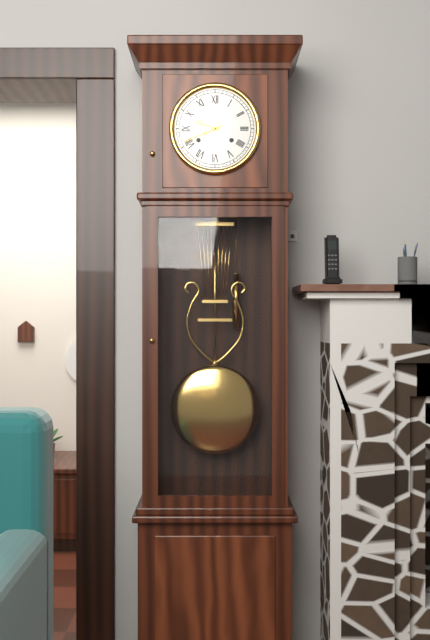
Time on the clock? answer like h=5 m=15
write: h=9 m=41
